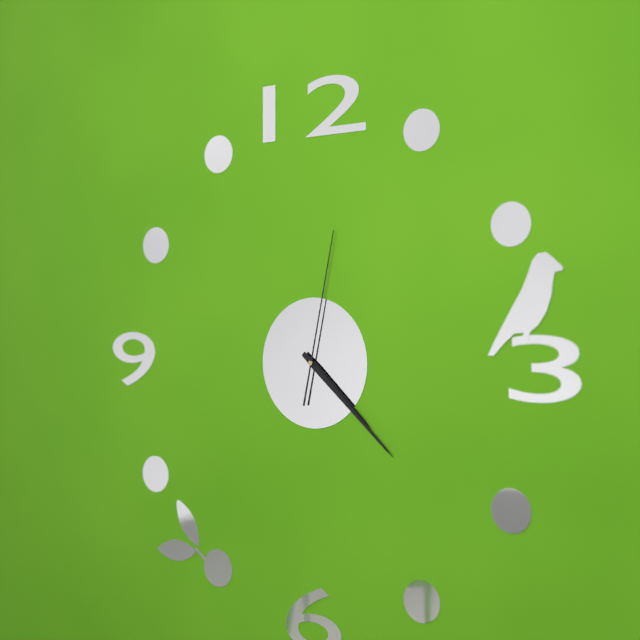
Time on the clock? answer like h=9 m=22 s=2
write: h=4 m=22 s=2
